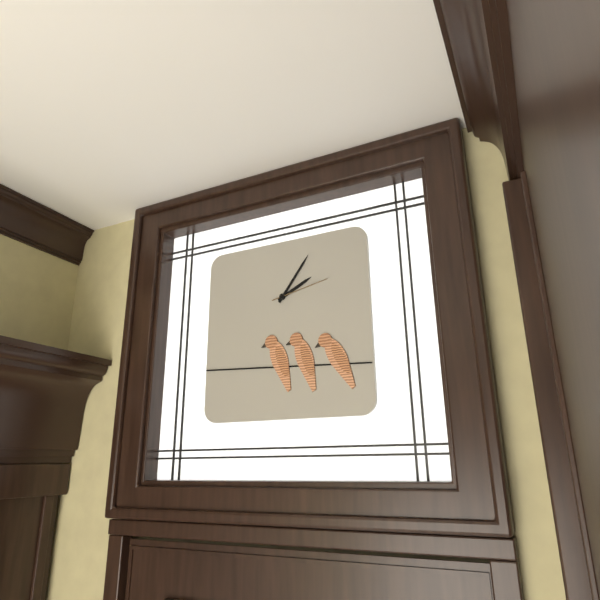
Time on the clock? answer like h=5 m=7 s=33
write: h=2 m=6 s=13
